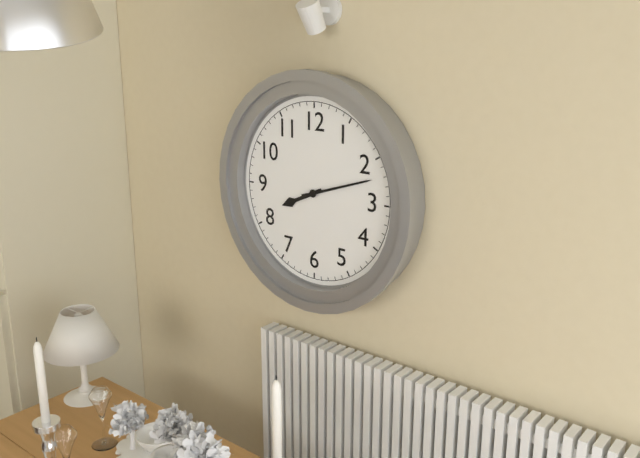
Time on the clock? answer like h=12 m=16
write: h=8 m=12
